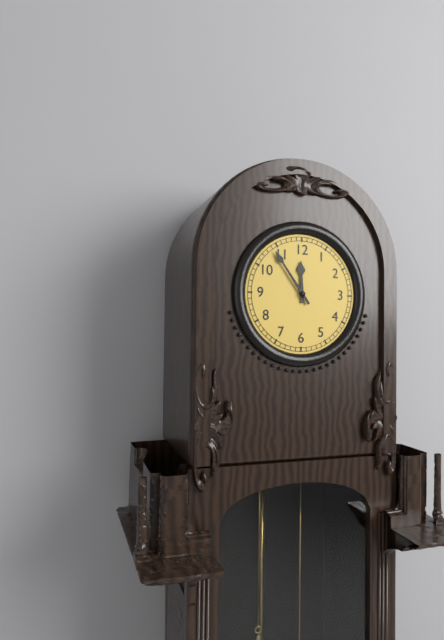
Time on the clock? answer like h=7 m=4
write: h=11 m=54
